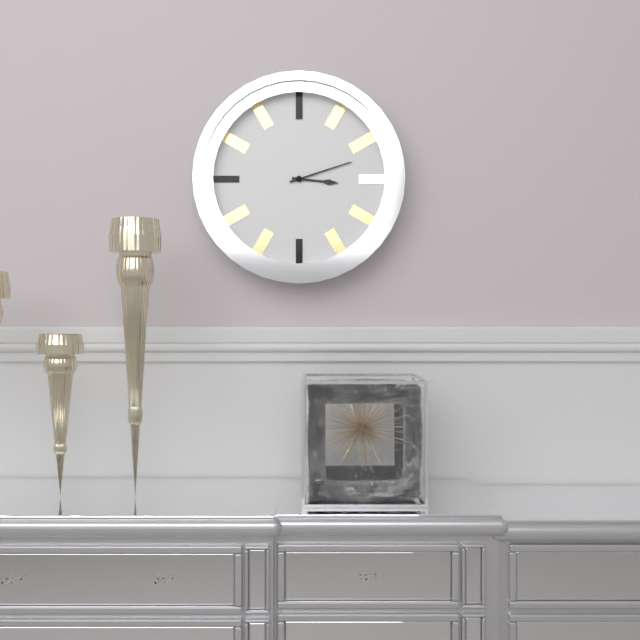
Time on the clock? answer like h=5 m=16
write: h=3 m=12
